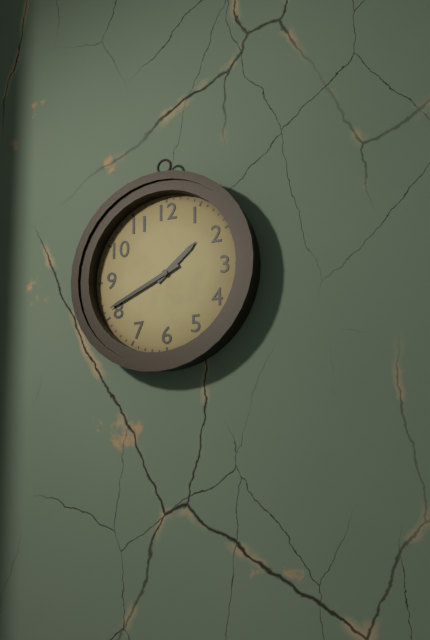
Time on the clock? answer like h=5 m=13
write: h=1 m=41
